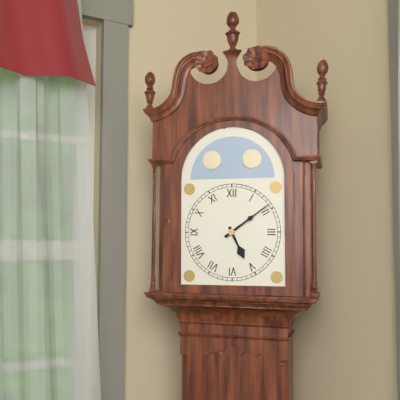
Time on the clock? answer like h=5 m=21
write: h=5 m=9
